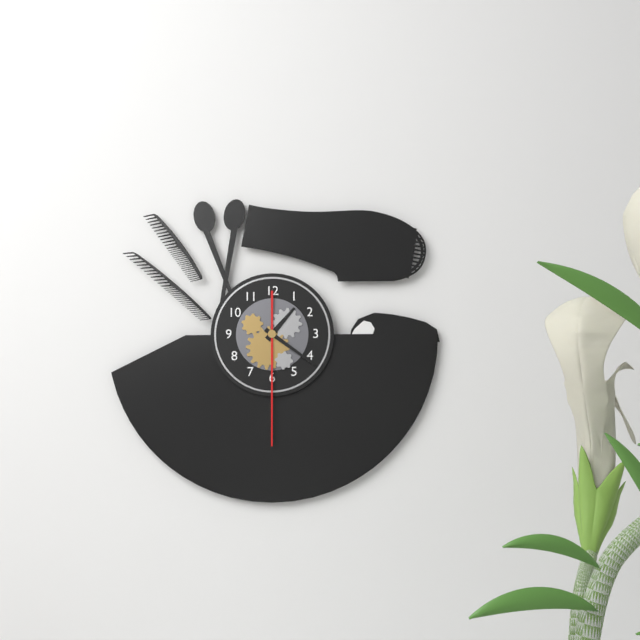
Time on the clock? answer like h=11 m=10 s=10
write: h=1 m=21 s=30
